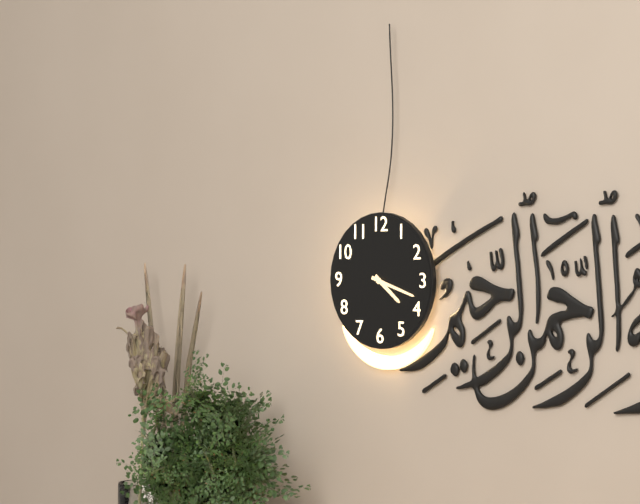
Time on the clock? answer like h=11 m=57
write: h=4 m=18
